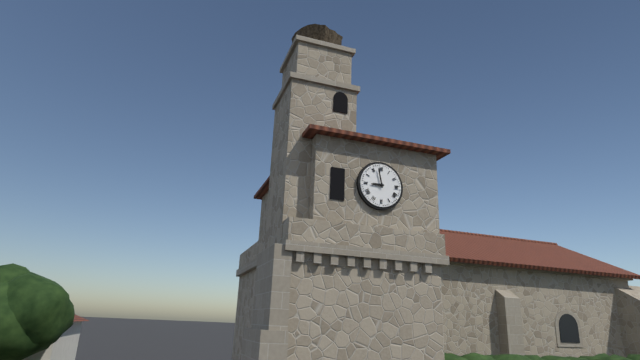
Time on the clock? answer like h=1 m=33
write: h=8 m=58
